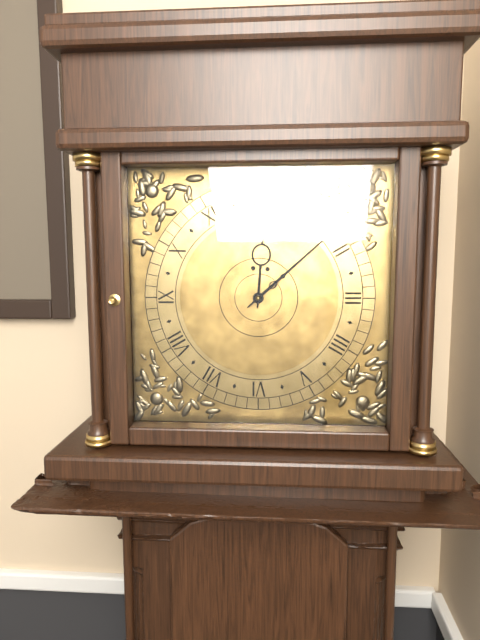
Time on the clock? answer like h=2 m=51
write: h=12 m=8
